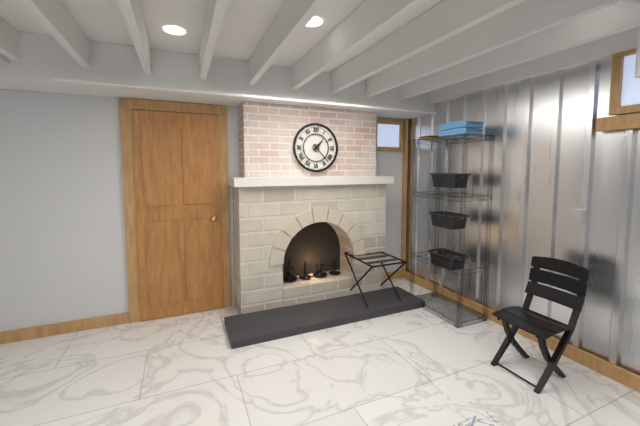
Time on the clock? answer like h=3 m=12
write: h=1 m=23
